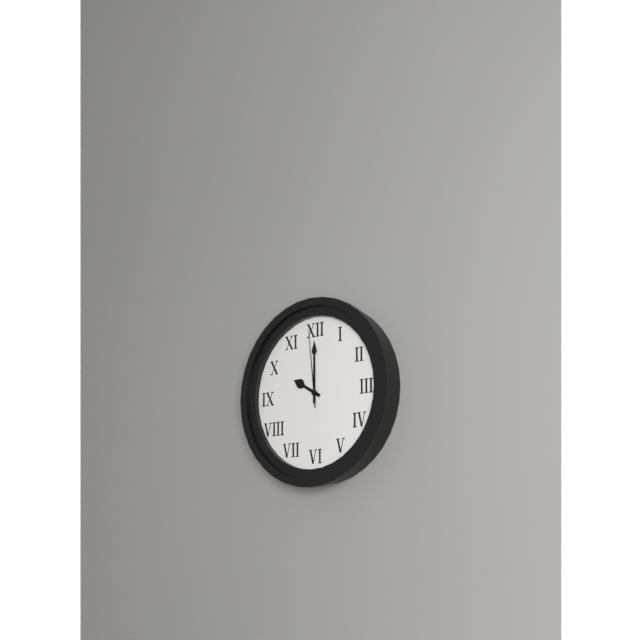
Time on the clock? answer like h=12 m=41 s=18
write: h=10 m=0 s=59
